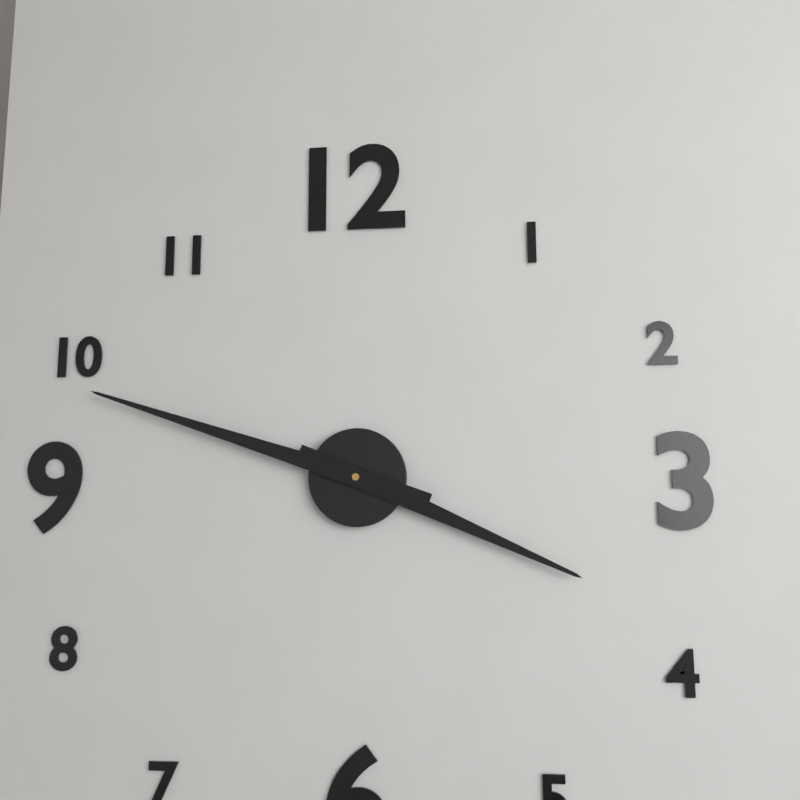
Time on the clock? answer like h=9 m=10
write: h=3 m=48
